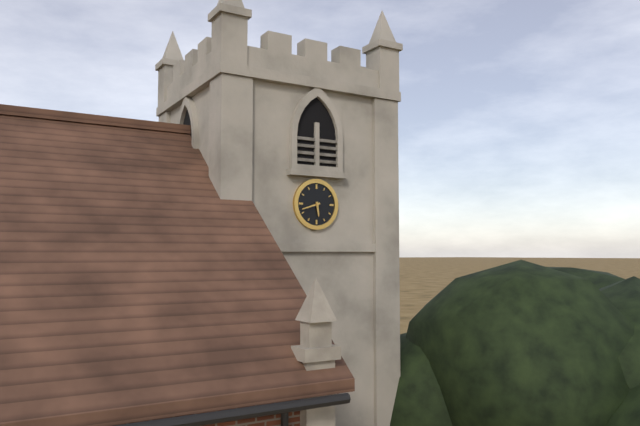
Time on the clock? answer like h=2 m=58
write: h=5 m=42
